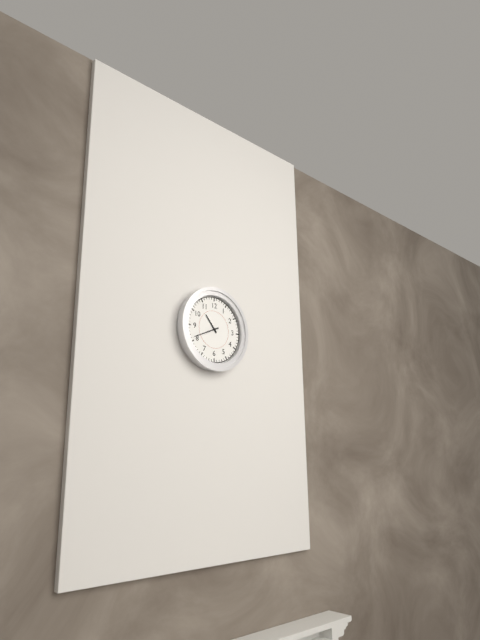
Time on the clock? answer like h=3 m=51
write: h=10 m=41
